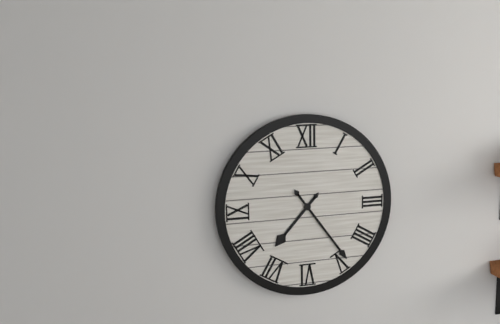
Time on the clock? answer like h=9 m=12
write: h=7 m=24
